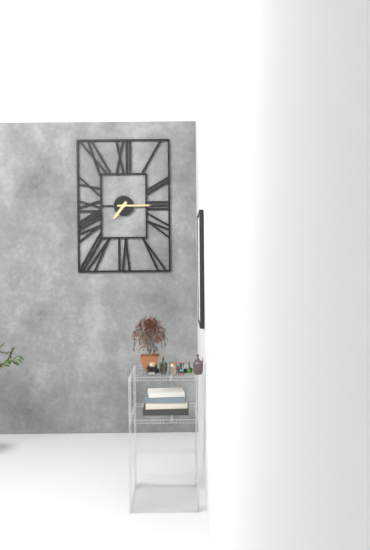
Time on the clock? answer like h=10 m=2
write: h=7 m=15
